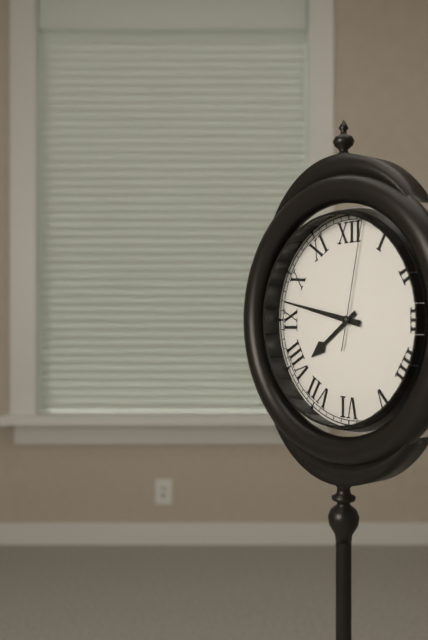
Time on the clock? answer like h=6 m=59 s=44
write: h=7 m=47 s=2
